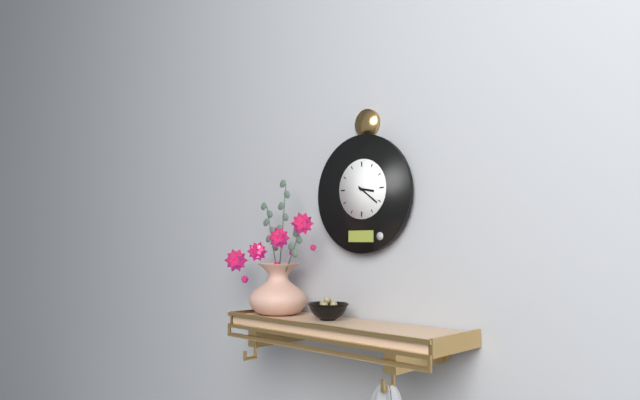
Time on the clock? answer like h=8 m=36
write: h=3 m=21
